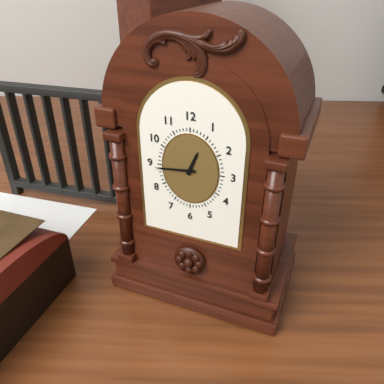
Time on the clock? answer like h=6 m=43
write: h=12 m=44
